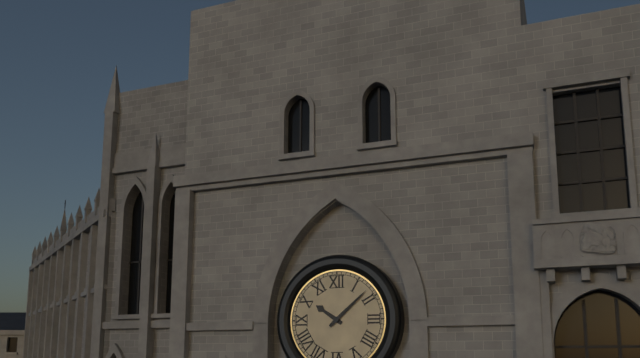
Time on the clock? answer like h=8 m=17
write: h=10 m=8
